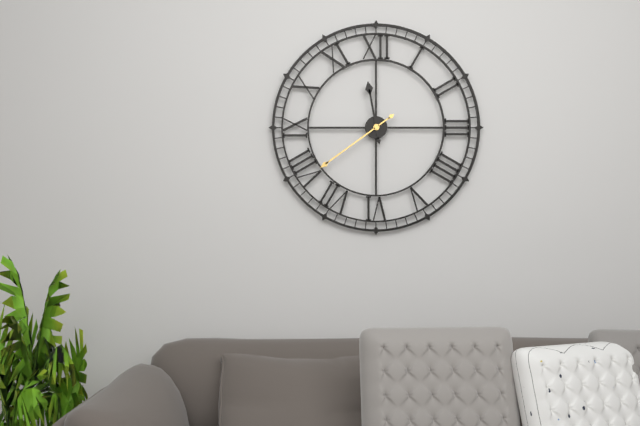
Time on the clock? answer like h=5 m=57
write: h=11 m=39
